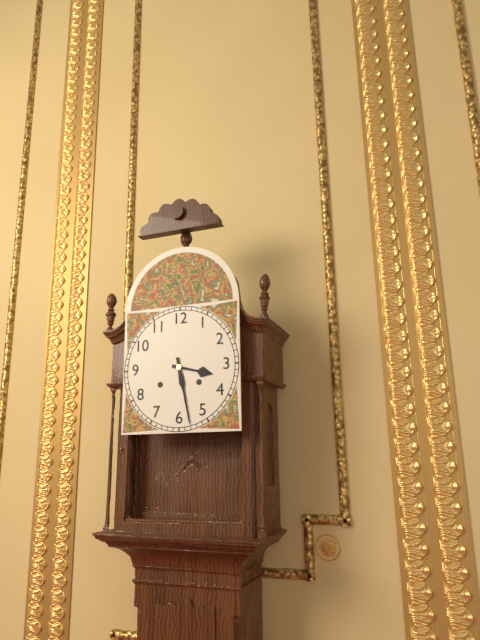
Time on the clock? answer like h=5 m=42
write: h=3 m=28
